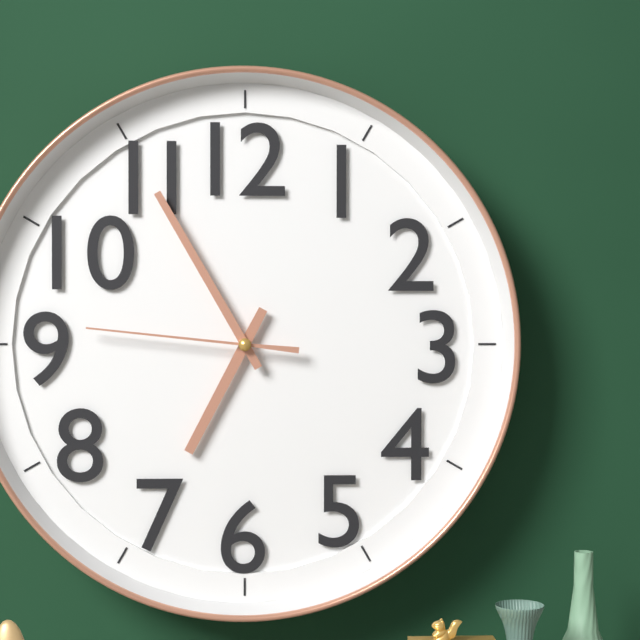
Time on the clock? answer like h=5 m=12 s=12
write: h=6 m=55 s=46
